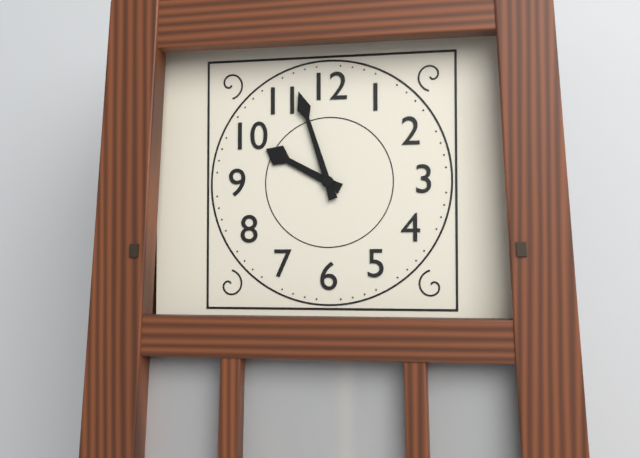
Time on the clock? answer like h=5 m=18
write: h=9 m=57
